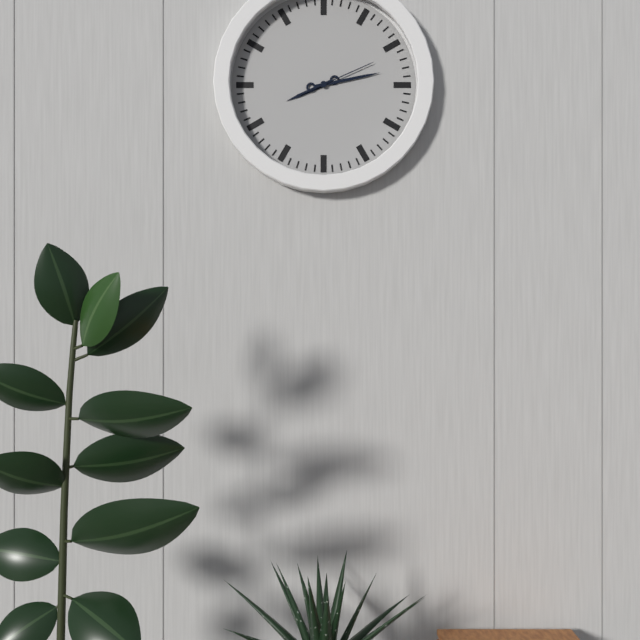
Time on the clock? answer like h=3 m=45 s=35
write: h=8 m=13 s=11
